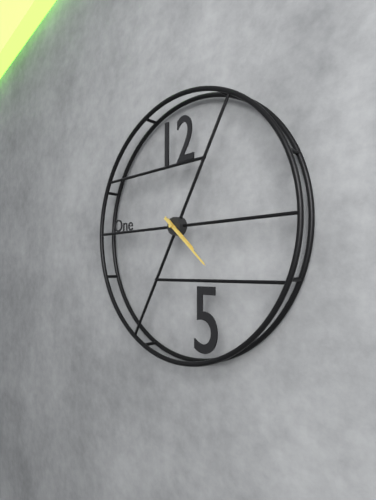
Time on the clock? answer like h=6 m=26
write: h=4 m=22
